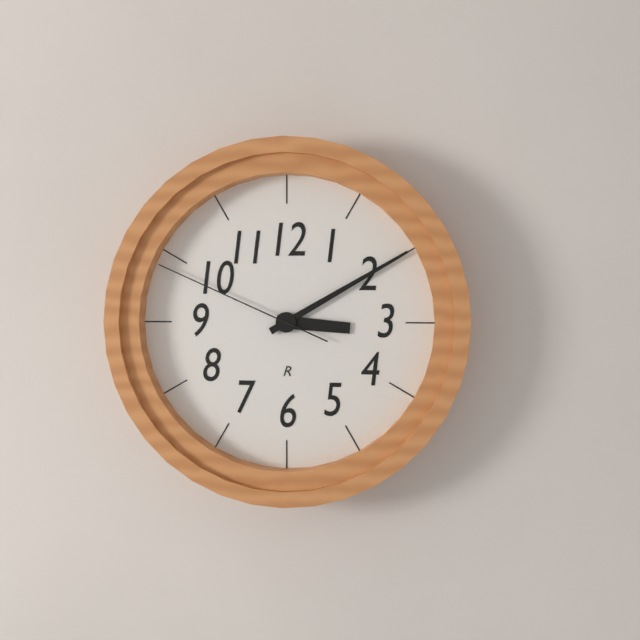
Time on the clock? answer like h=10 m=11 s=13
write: h=3 m=10 s=49
